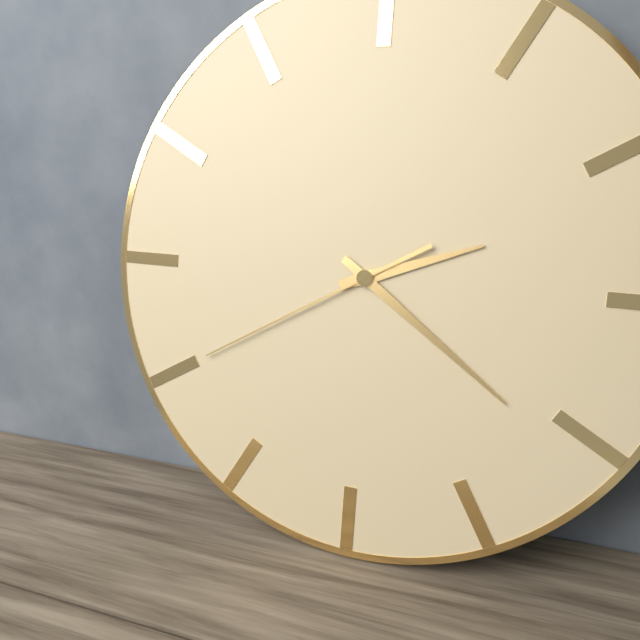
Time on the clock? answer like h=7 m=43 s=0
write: h=2 m=21 s=40
